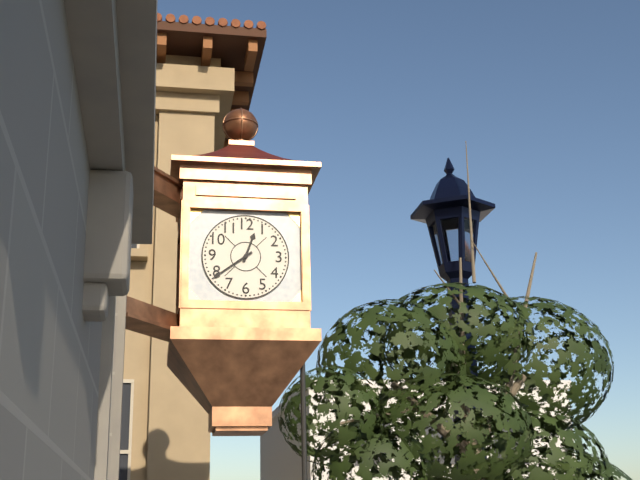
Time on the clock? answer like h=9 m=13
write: h=12 m=39
